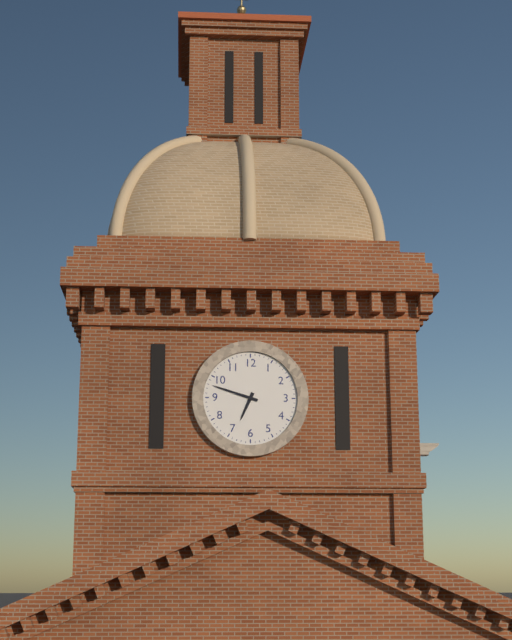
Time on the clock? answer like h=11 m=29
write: h=6 m=48
